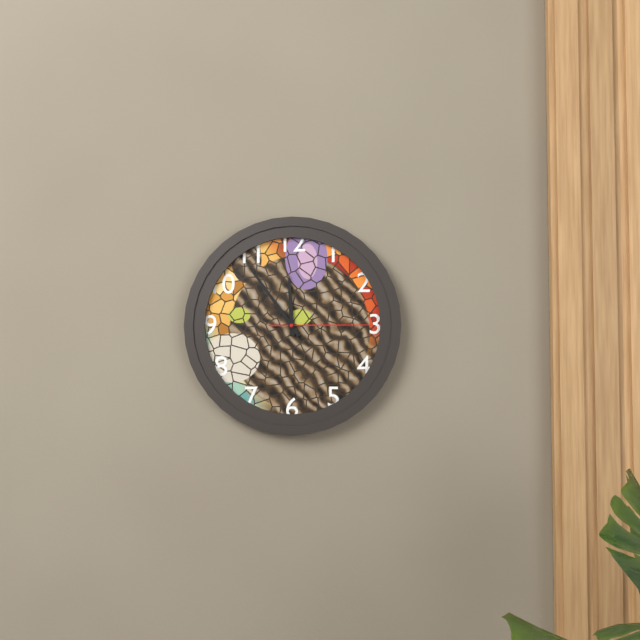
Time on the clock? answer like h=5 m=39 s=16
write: h=11 m=54 s=15
